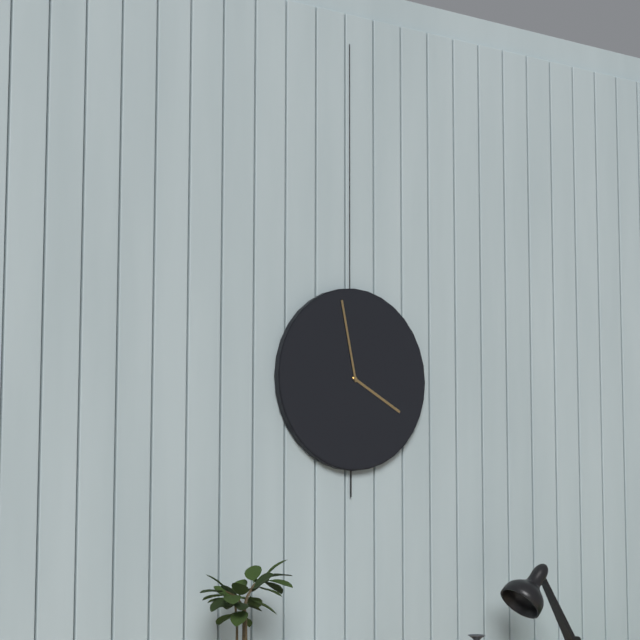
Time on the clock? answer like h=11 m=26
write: h=3 m=58
